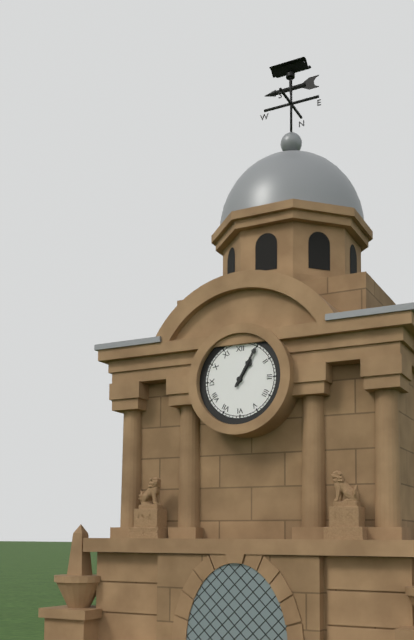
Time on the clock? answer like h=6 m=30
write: h=1 m=5
